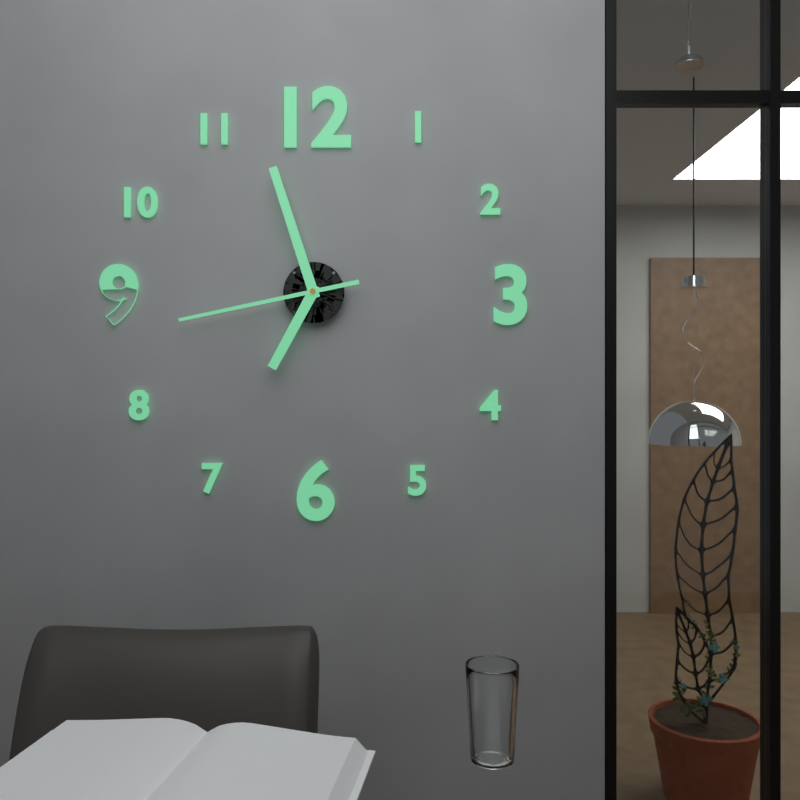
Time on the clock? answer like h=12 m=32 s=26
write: h=6 m=57 s=43
